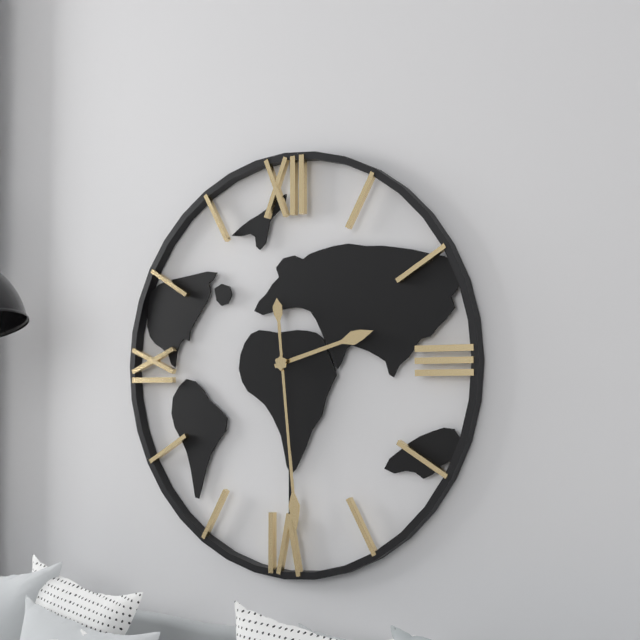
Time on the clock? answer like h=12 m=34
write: h=2 m=29
